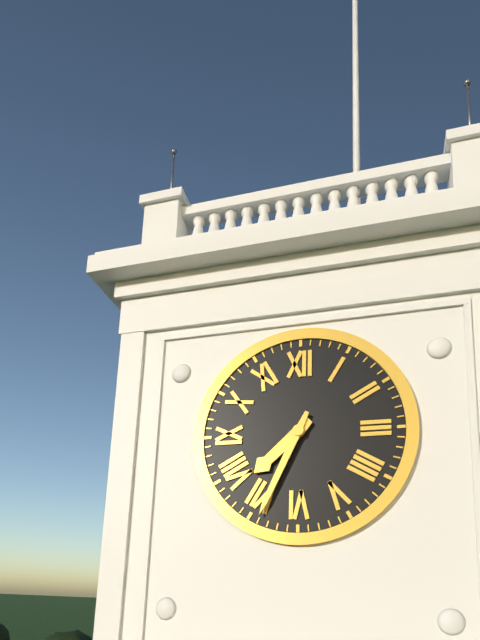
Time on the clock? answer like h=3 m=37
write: h=7 m=34
